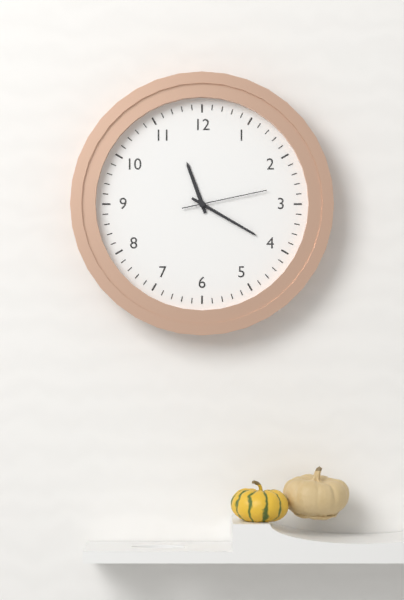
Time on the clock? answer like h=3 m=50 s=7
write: h=11 m=20 s=13
